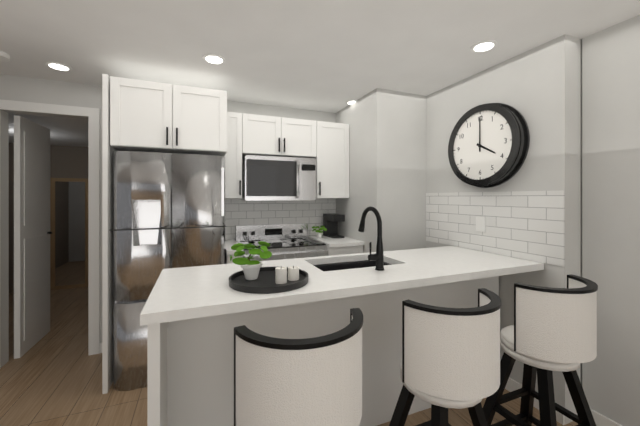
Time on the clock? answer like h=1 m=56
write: h=4 m=0
